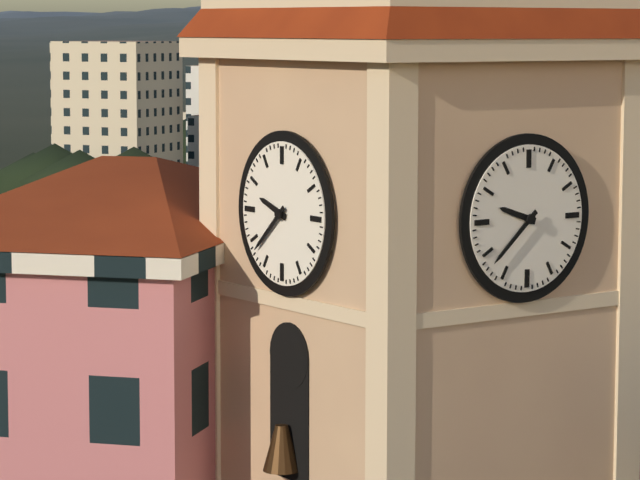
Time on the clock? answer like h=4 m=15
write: h=9 m=38
